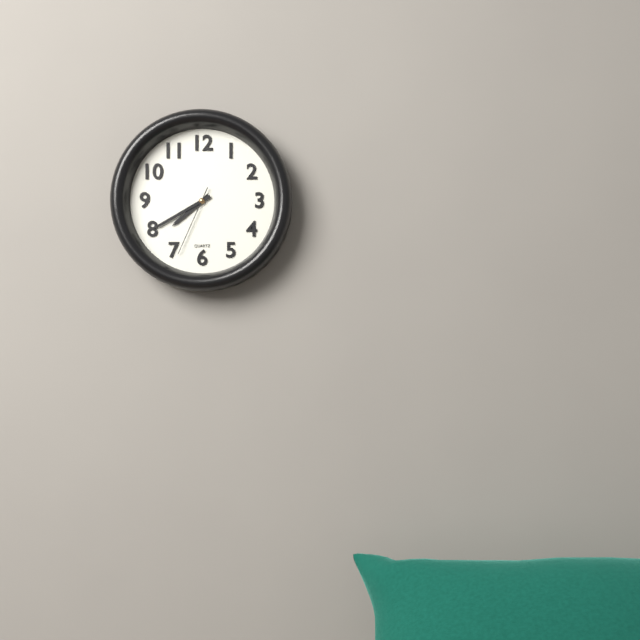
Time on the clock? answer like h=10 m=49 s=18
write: h=7 m=40 s=34
